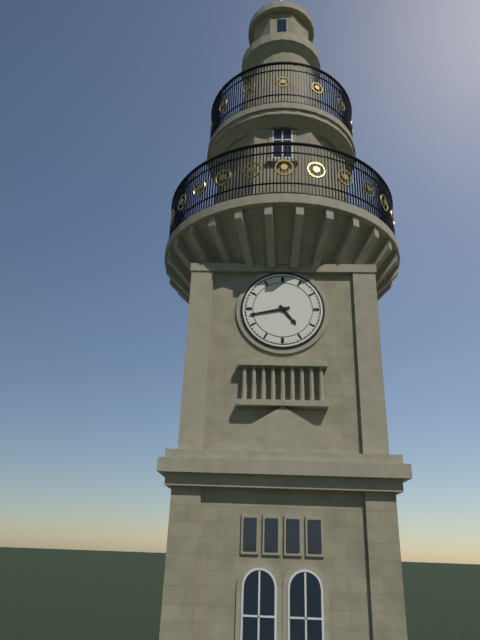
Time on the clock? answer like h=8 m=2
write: h=4 m=43
